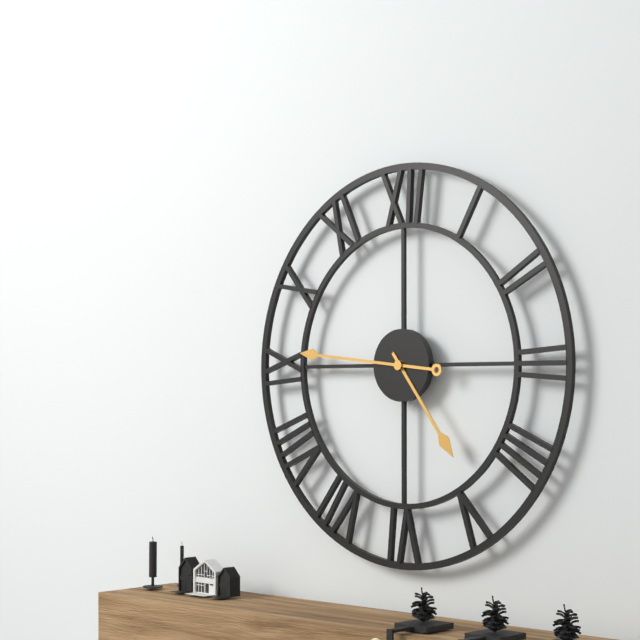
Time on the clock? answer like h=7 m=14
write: h=4 m=46
